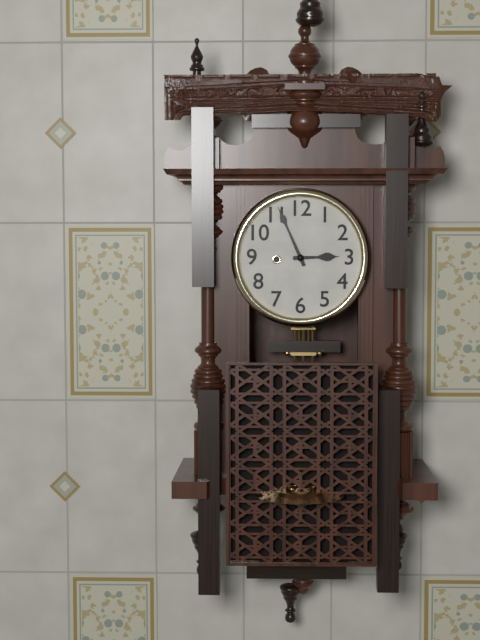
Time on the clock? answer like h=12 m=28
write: h=2 m=56
